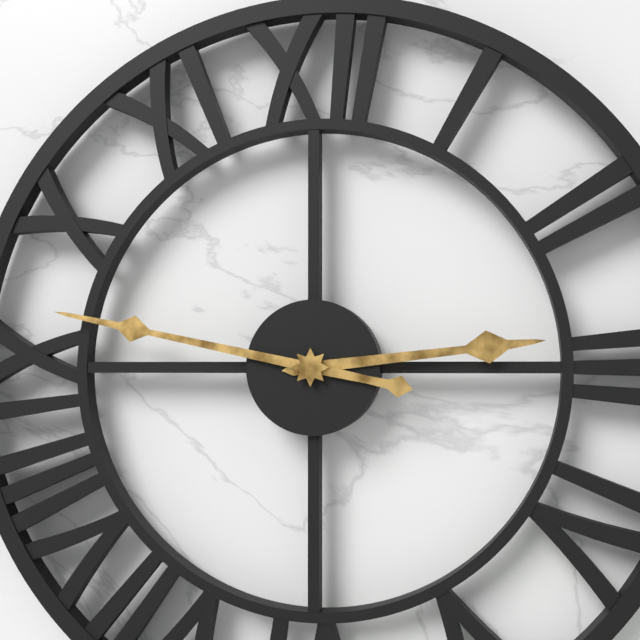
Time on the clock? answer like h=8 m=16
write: h=2 m=47
